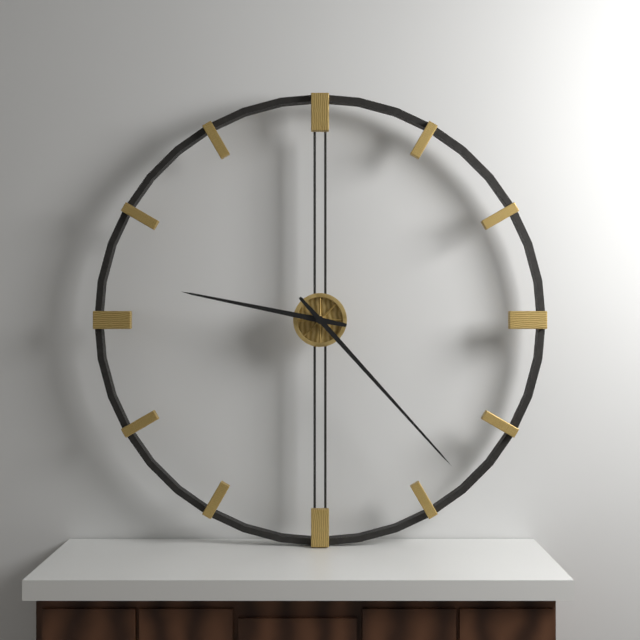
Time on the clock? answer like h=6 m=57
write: h=9 m=23
